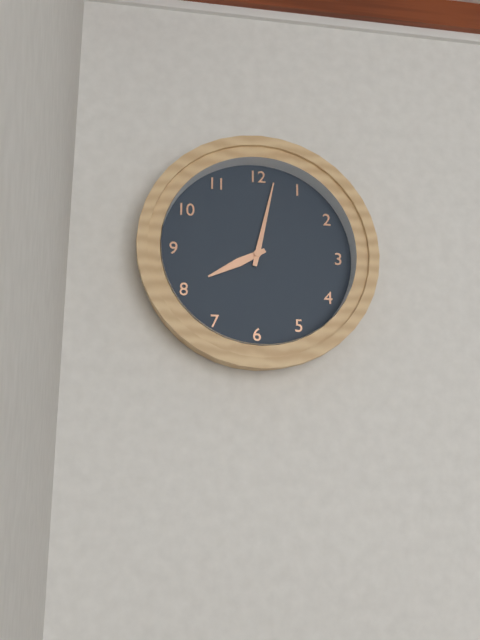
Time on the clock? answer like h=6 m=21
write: h=8 m=2
